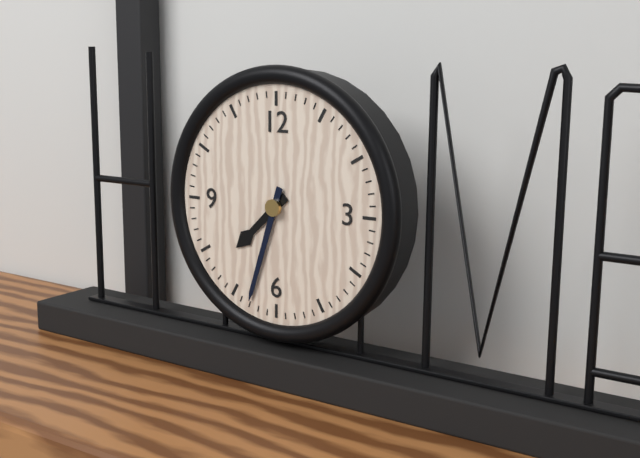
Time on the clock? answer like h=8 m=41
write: h=7 m=33
